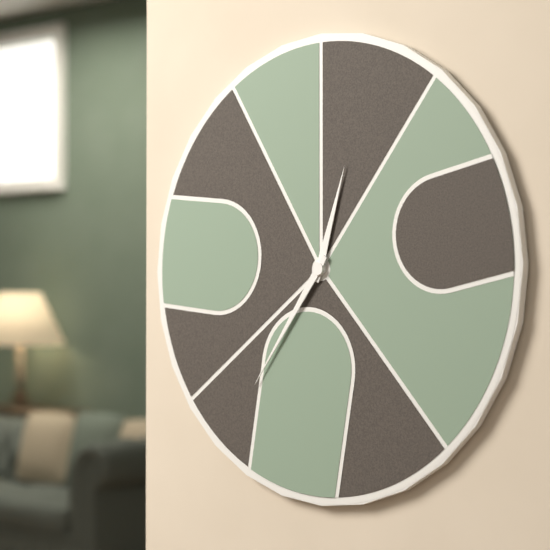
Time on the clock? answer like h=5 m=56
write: h=12 m=36
